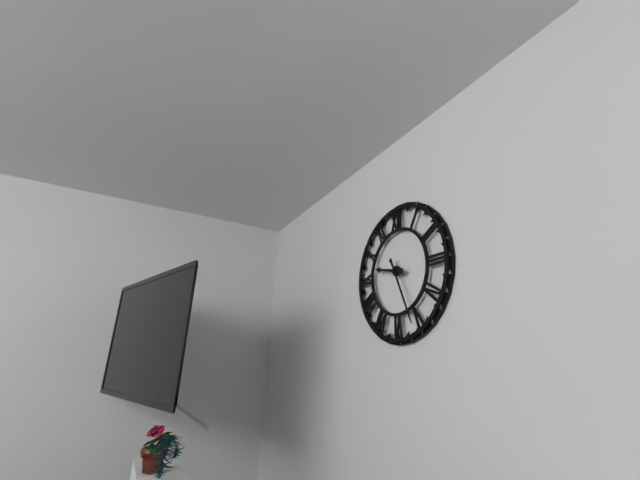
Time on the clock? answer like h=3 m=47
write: h=9 m=26
